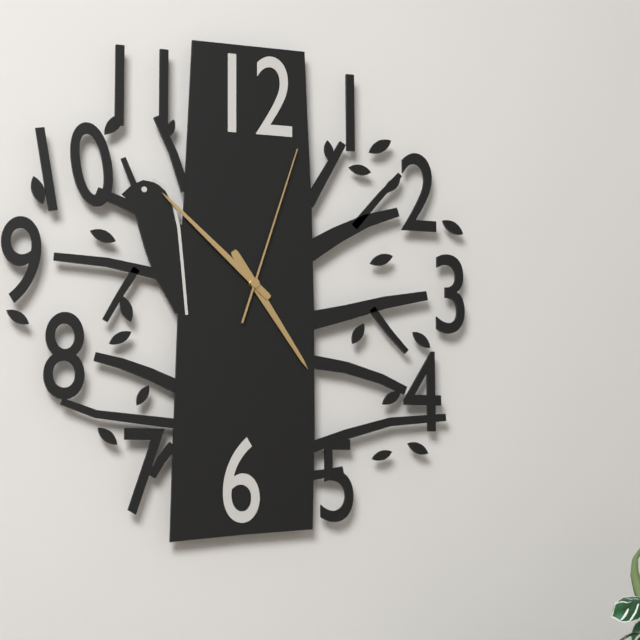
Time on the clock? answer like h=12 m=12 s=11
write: h=4 m=52 s=3
